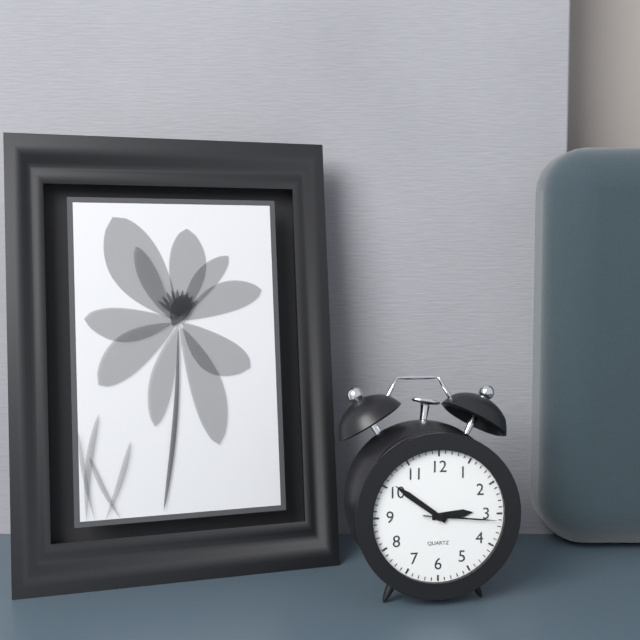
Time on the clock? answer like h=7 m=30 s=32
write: h=2 m=51 s=16
